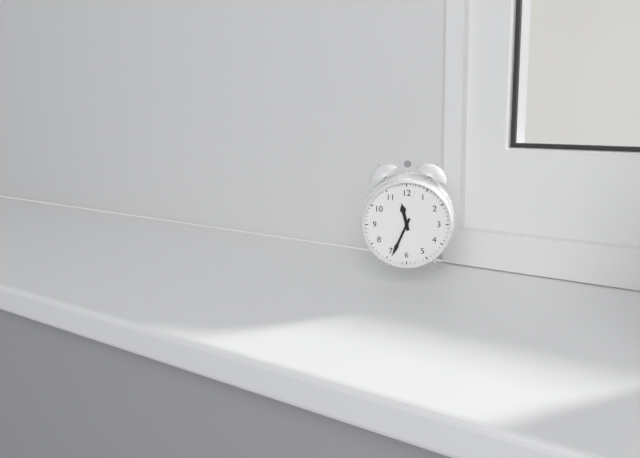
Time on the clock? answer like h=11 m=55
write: h=11 m=34
